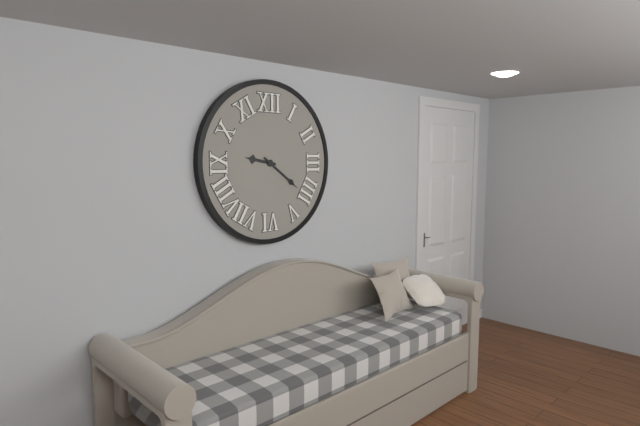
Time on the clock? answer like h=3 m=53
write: h=9 m=21
